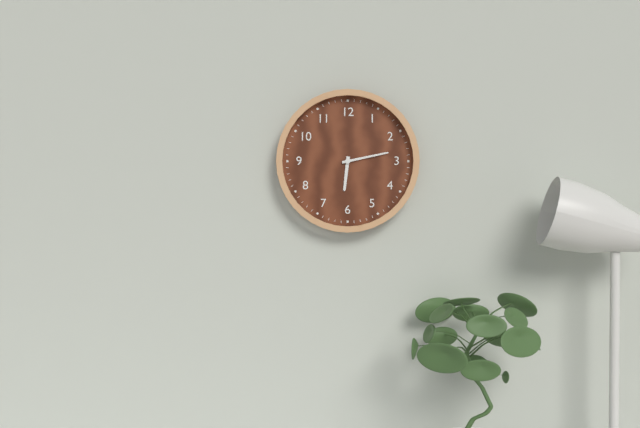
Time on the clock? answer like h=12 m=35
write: h=6 m=13
